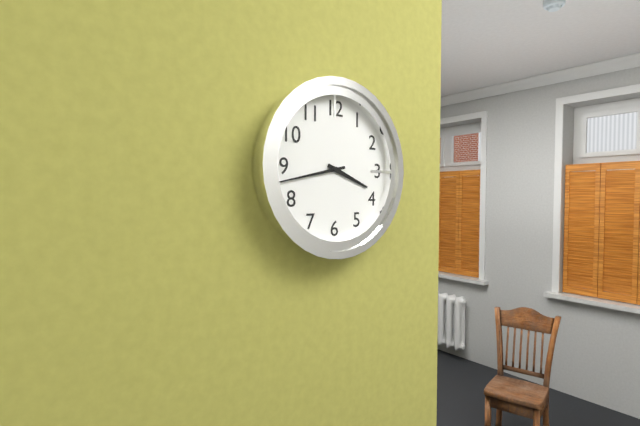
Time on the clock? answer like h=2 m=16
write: h=3 m=43
